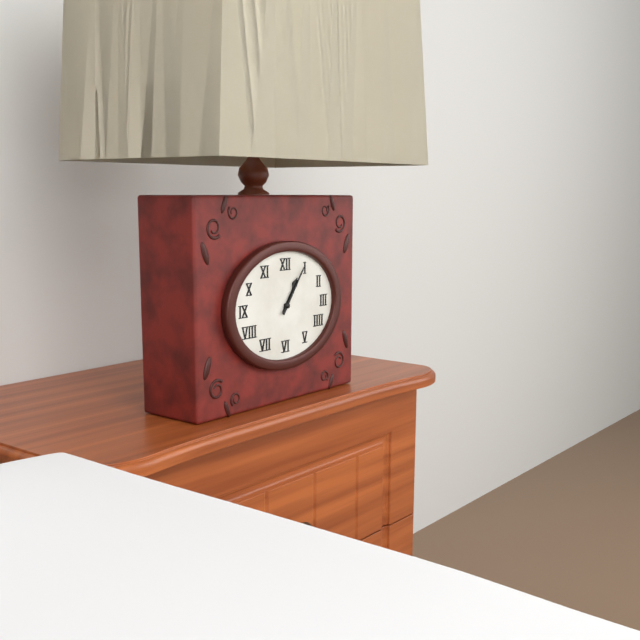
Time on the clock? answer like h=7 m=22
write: h=1 m=6
